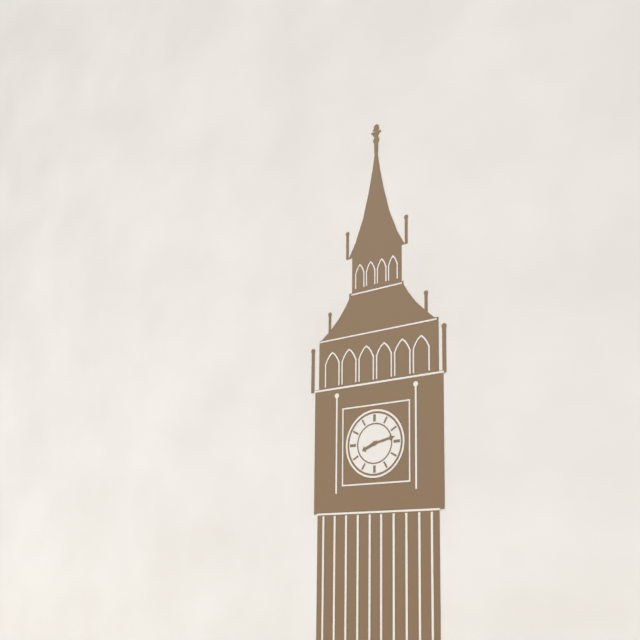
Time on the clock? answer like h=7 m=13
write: h=8 m=13
